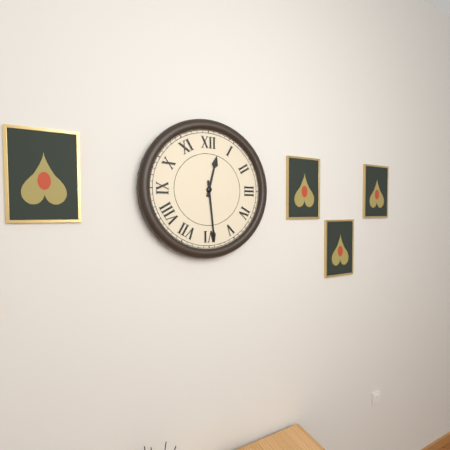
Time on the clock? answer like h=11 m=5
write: h=12 m=29
